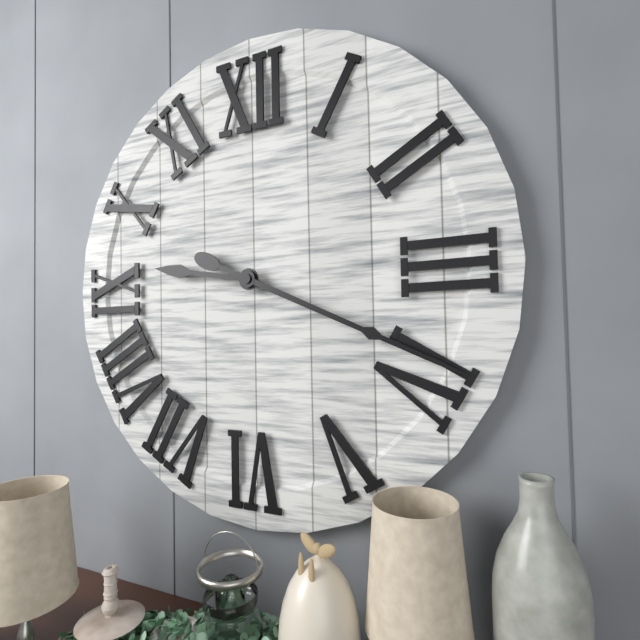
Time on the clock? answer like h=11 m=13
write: h=9 m=19
